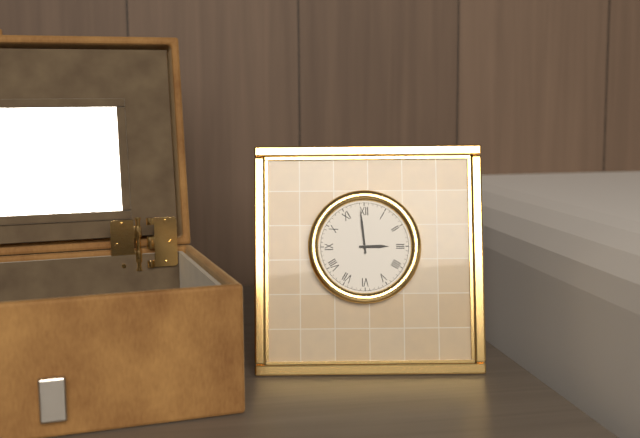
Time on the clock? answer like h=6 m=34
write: h=2 m=59
